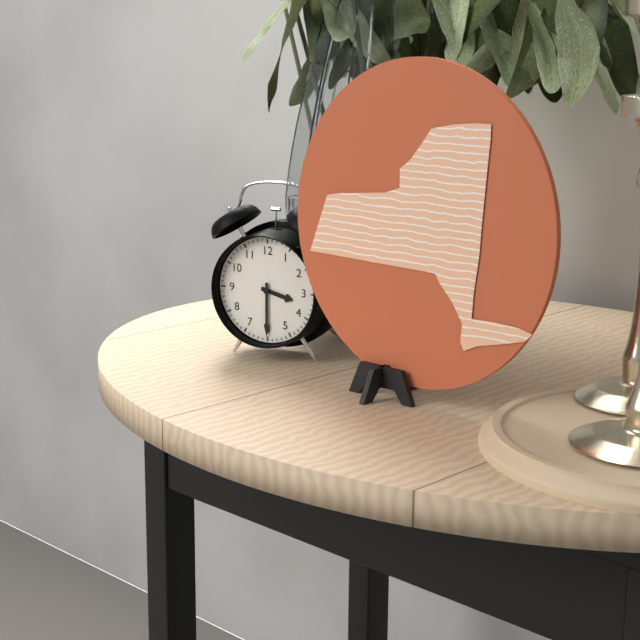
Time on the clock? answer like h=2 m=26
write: h=3 m=30
